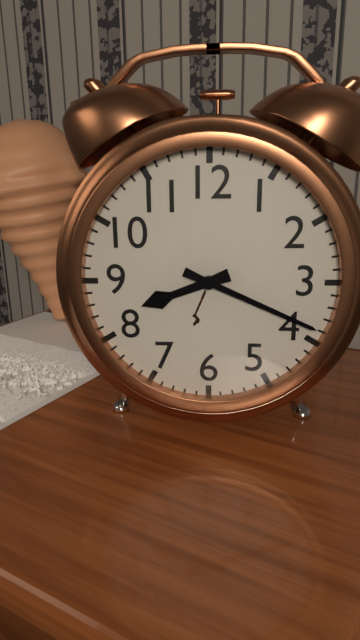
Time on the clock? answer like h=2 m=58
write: h=8 m=19
